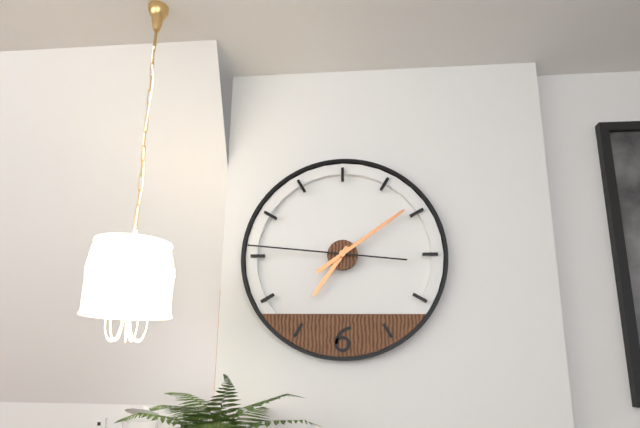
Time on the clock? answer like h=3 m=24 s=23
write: h=7 m=9 s=46
